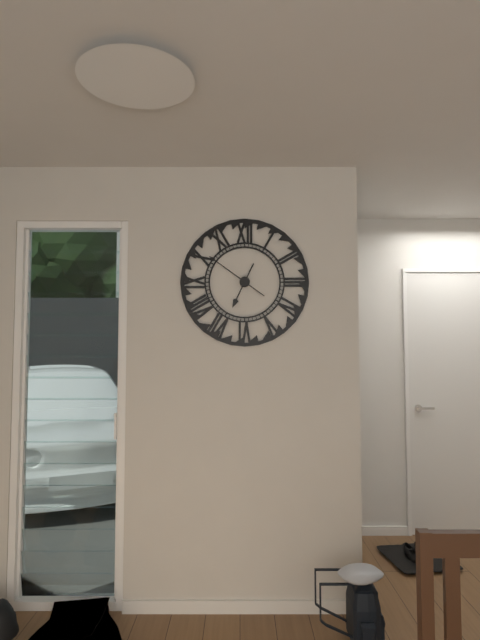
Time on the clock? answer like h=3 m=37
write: h=6 m=51
